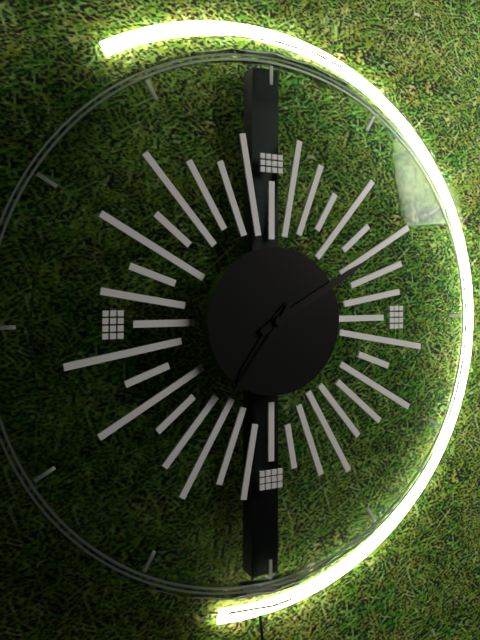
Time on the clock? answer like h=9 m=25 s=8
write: h=7 m=10 s=36
